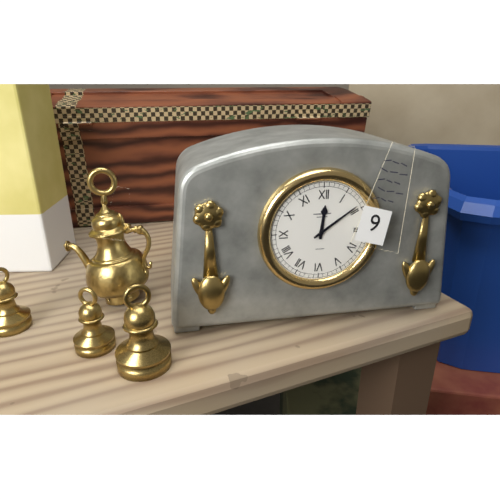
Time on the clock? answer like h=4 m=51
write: h=12 m=9
